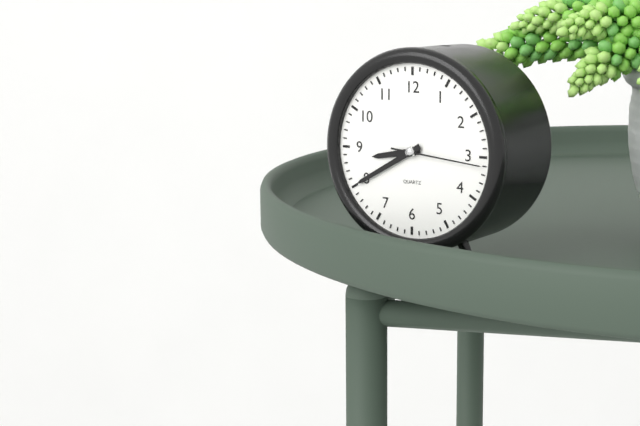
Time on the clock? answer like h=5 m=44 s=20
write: h=8 m=40 s=16
